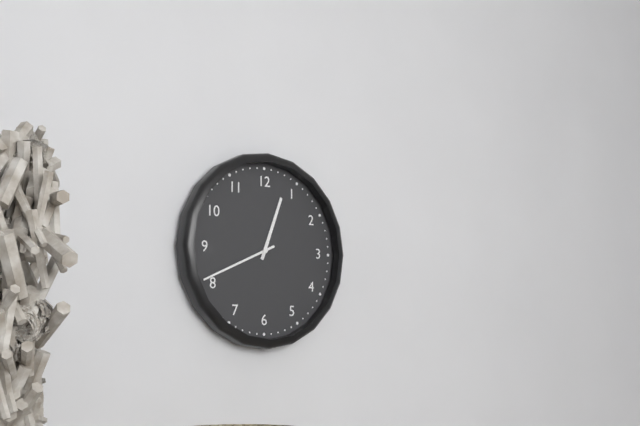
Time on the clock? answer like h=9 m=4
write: h=12 m=41
